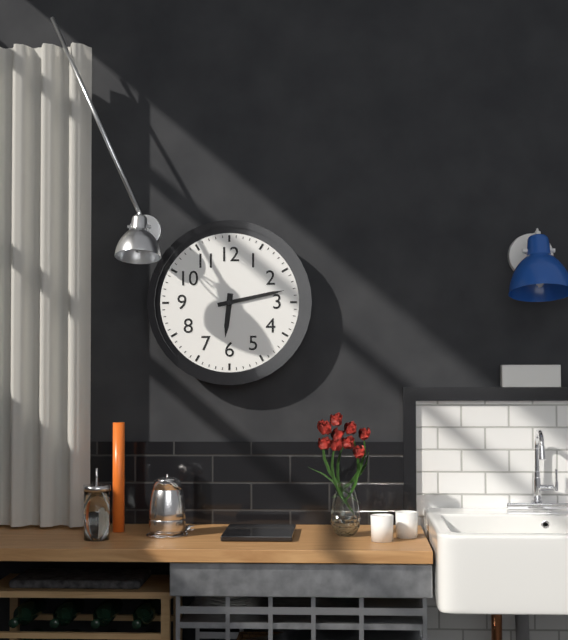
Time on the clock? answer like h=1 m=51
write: h=6 m=13
